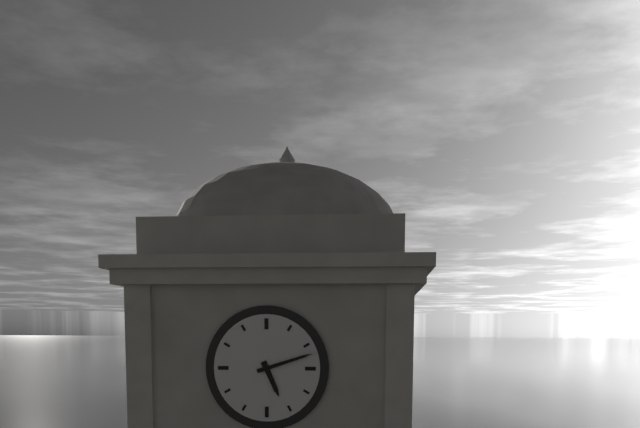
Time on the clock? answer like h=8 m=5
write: h=5 m=12
